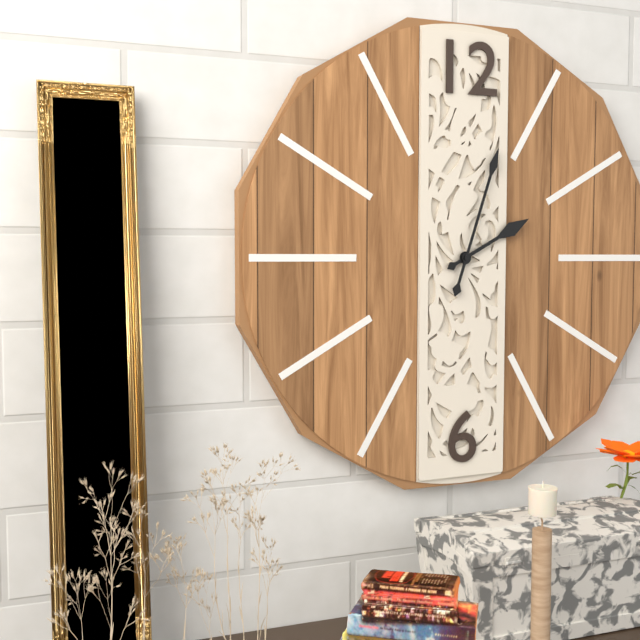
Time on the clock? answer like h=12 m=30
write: h=2 m=3
